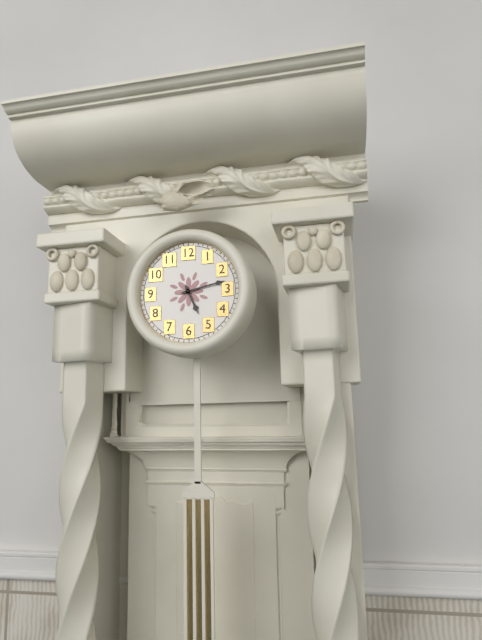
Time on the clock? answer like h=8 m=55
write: h=5 m=13
